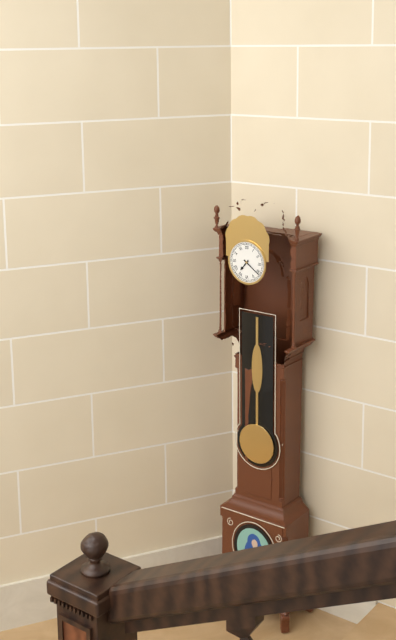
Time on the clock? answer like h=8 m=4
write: h=7 m=21
